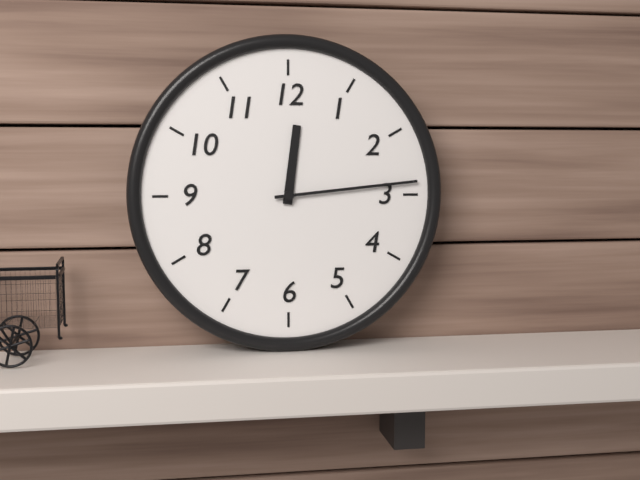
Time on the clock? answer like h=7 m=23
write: h=12 m=14
